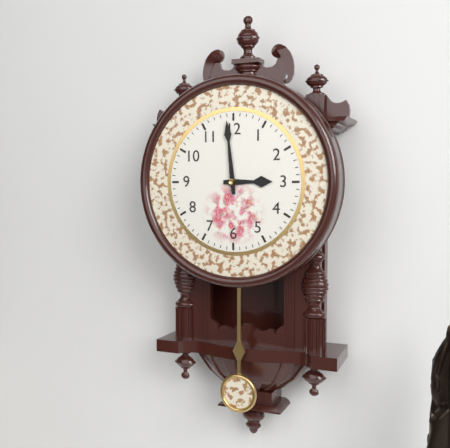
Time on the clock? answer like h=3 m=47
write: h=2 m=59
